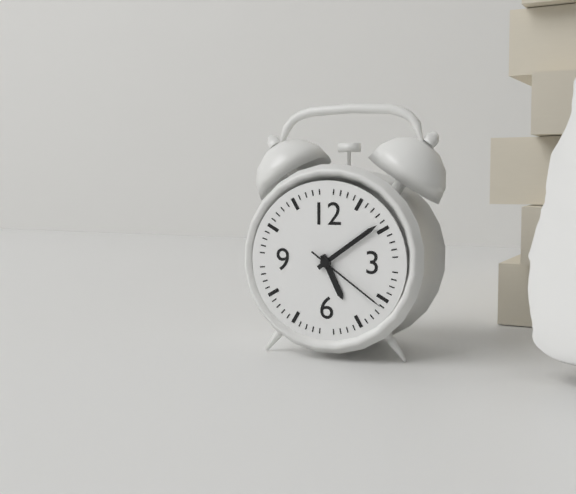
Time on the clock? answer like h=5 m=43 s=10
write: h=5 m=9 s=21
